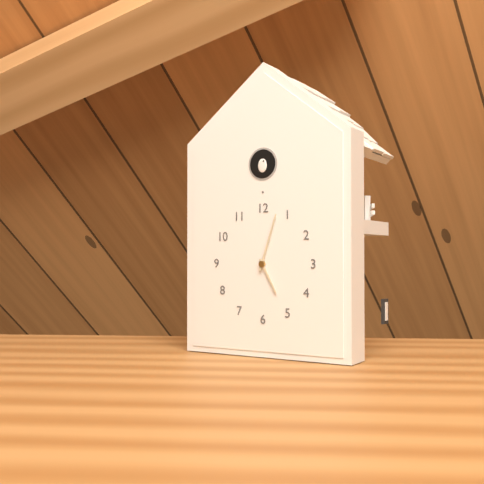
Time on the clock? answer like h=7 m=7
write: h=5 m=3
